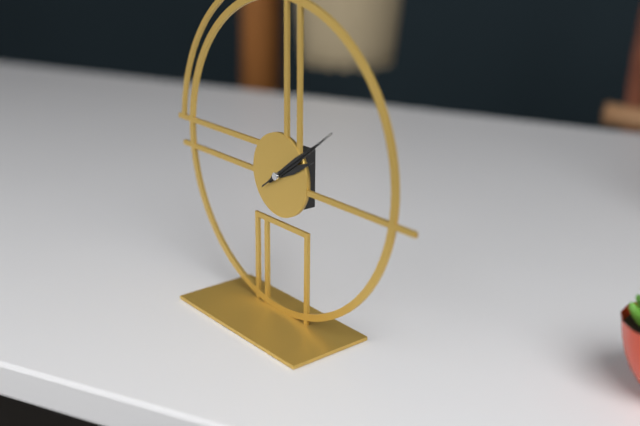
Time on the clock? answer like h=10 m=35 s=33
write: h=2 m=9 s=9
